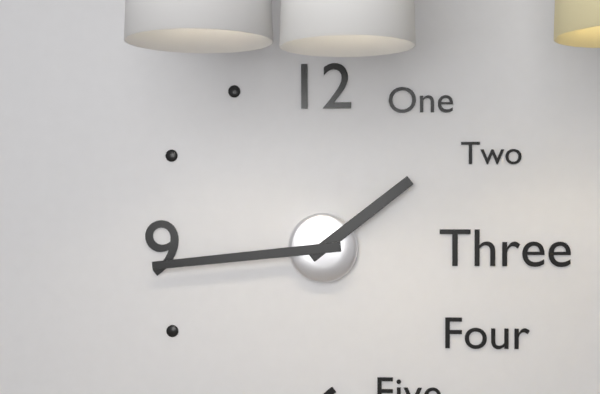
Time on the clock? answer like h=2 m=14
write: h=1 m=44
